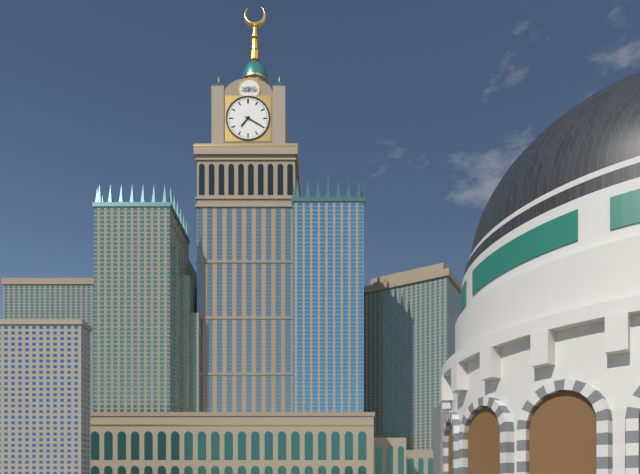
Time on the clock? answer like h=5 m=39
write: h=7 m=20
